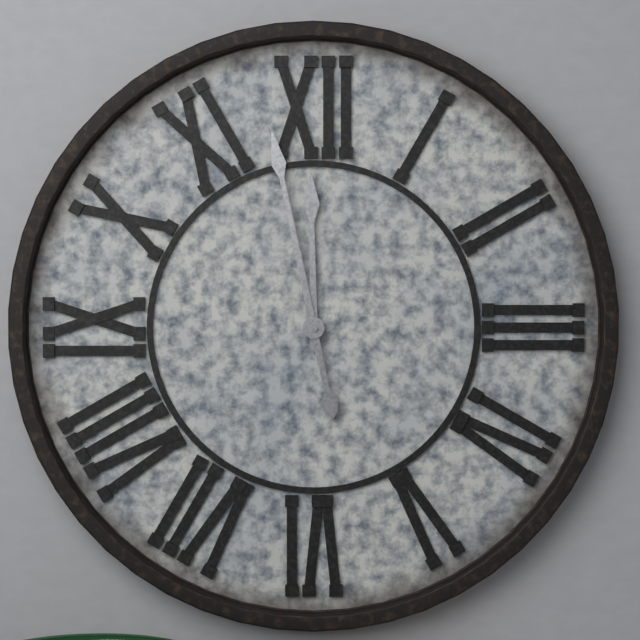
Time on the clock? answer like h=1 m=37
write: h=11 m=58
